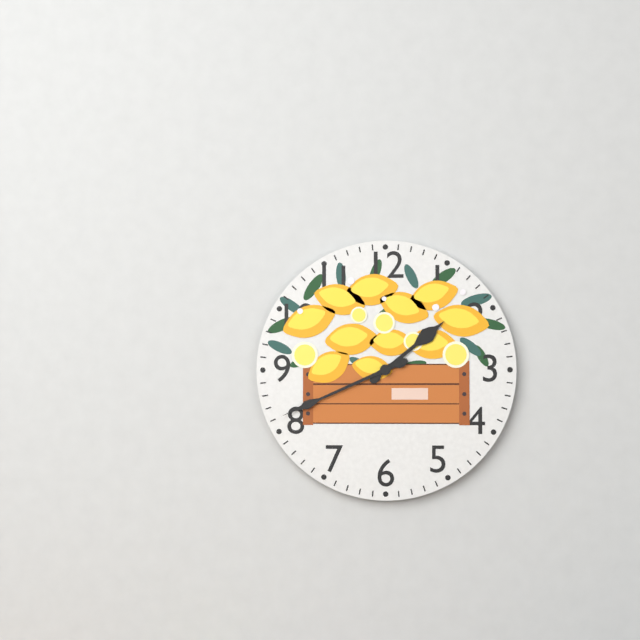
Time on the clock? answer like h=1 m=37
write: h=1 m=41
